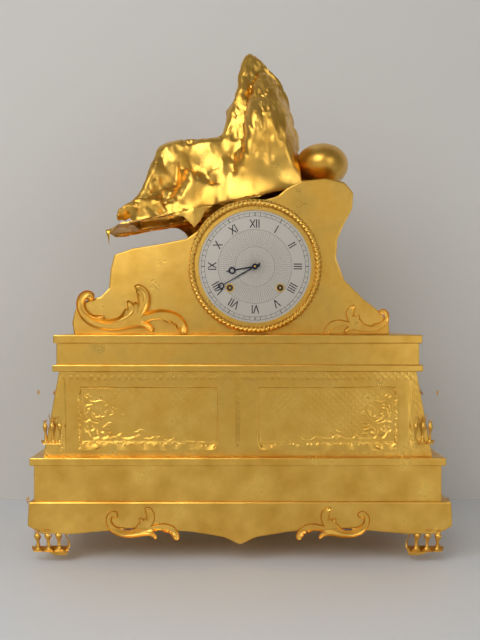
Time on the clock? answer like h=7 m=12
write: h=8 m=40
